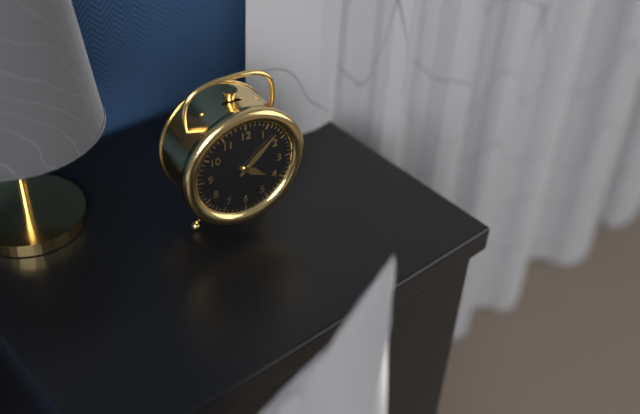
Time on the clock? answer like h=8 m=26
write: h=4 m=8
